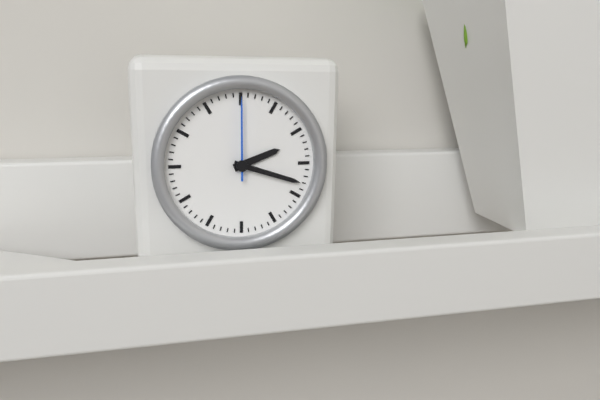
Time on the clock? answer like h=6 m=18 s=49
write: h=2 m=18 s=0
